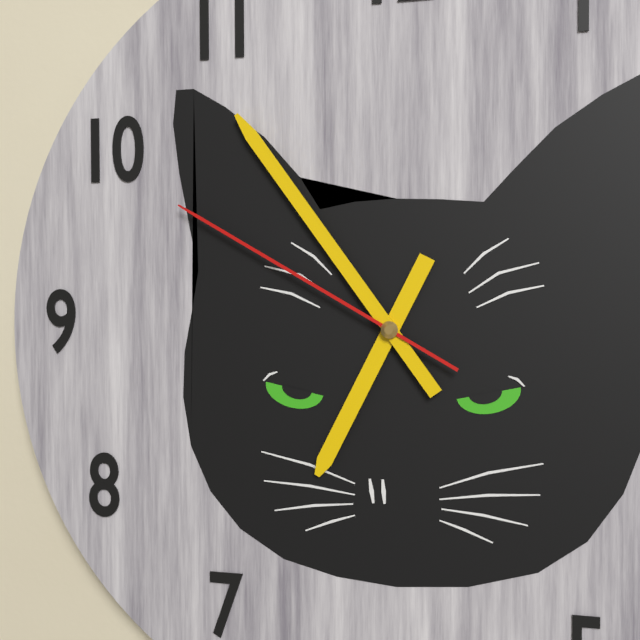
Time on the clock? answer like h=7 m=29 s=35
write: h=6 m=54 s=50
